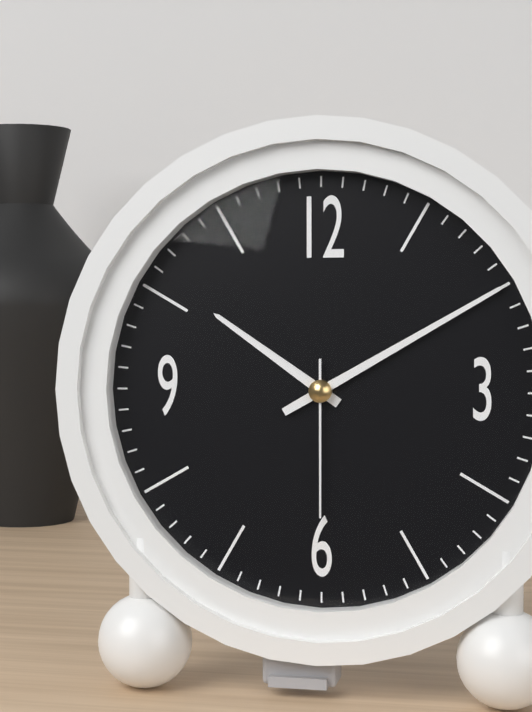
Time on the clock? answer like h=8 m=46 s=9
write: h=10 m=10 s=30
